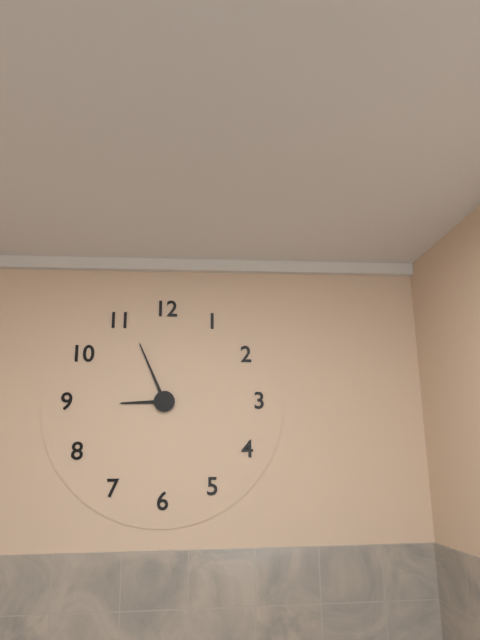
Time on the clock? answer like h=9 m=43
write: h=8 m=56
